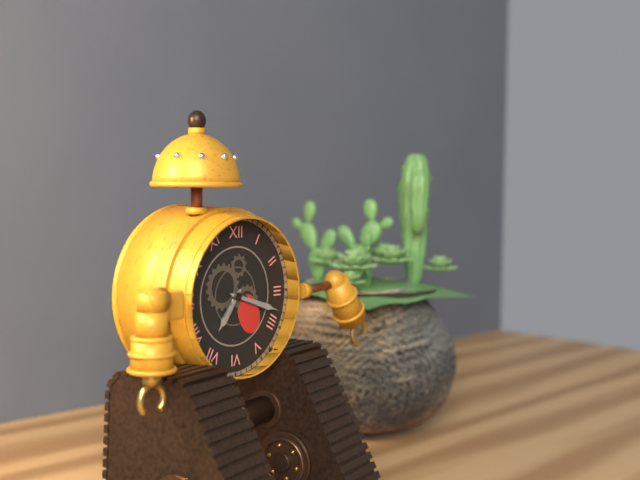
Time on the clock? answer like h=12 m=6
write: h=7 m=18
